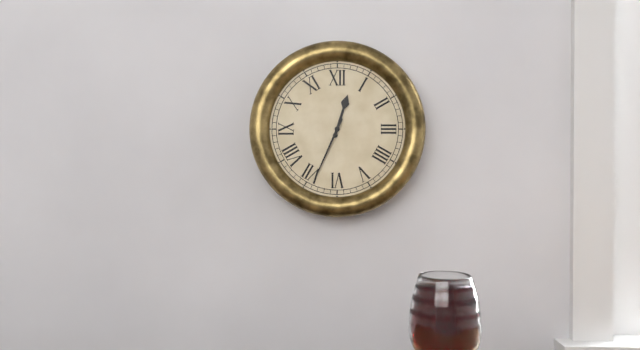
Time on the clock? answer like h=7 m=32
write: h=12 m=34
